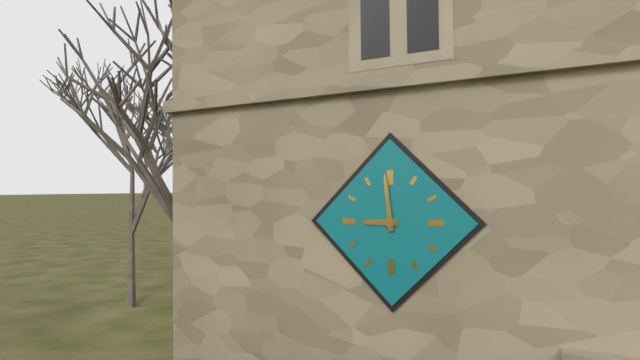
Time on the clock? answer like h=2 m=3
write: h=8 m=59
